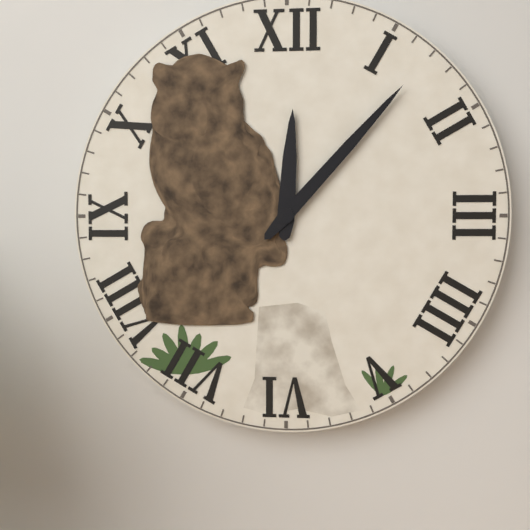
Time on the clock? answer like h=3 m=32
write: h=12 m=7
